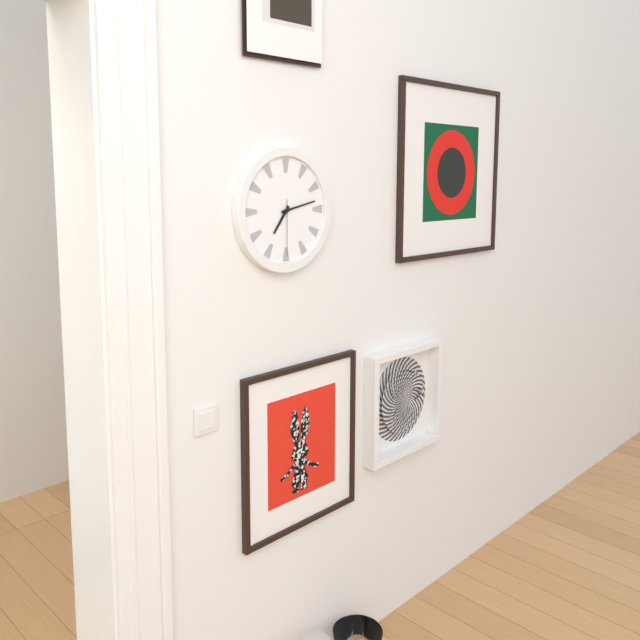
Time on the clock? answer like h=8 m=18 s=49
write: h=7 m=13 s=30
